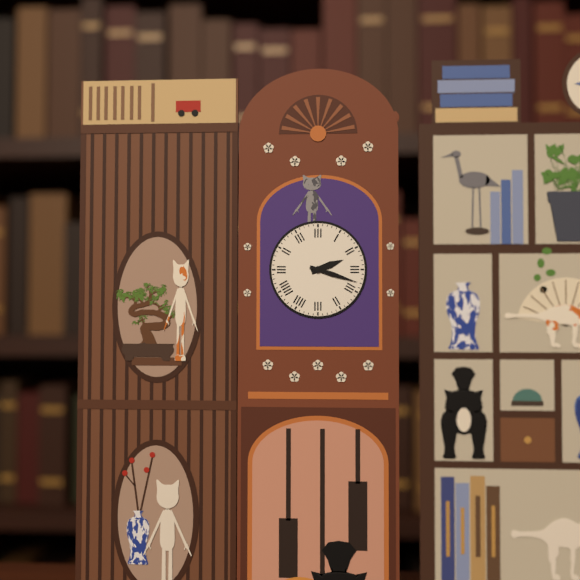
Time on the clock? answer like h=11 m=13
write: h=2 m=18
